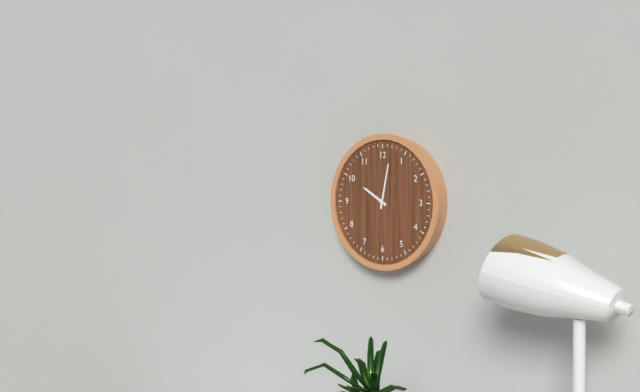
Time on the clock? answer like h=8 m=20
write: h=10 m=2
